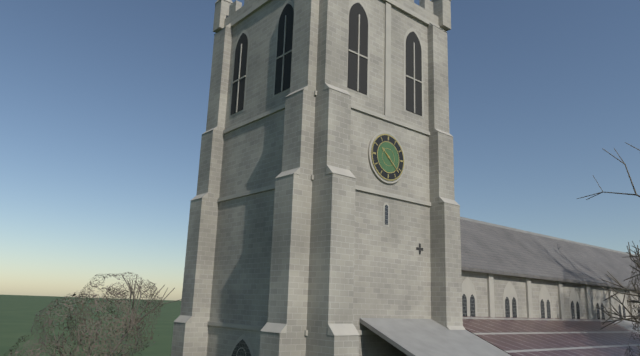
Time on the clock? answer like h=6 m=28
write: h=10 m=22
